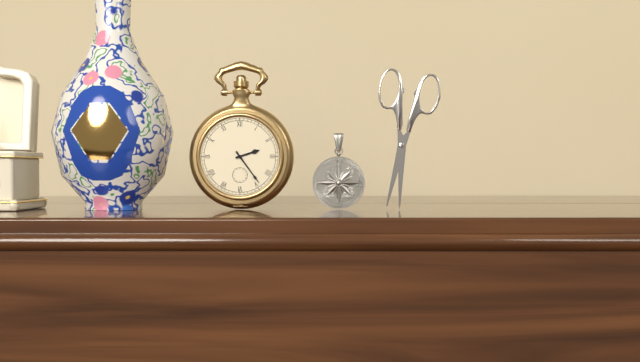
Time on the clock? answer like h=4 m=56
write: h=2 m=24
